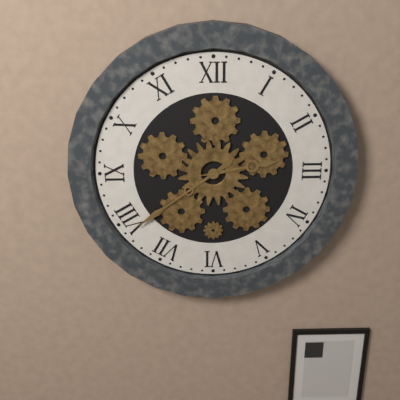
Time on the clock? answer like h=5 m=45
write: h=2 m=39
